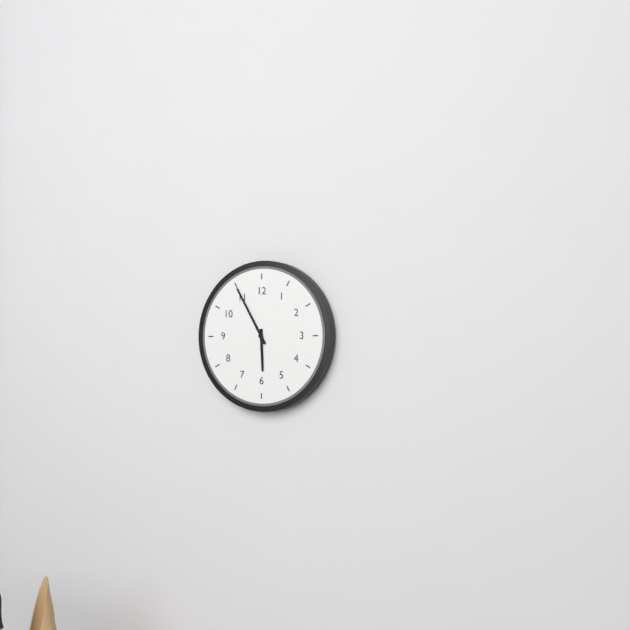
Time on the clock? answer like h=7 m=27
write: h=5 m=55
